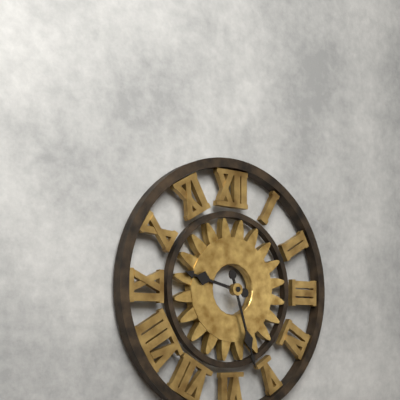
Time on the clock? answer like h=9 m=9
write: h=9 m=27
